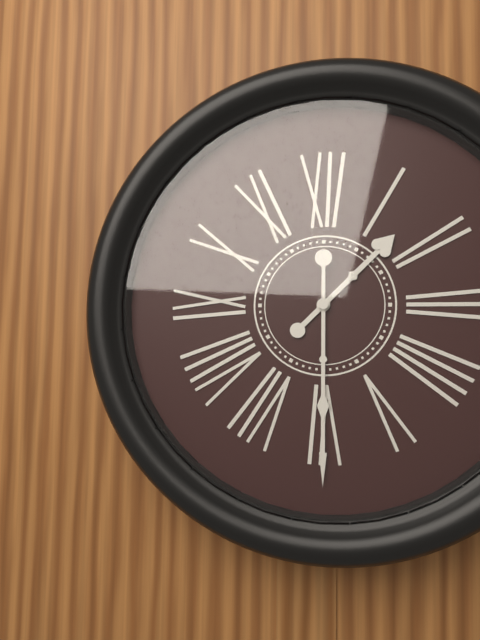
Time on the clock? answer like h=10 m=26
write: h=1 m=30
